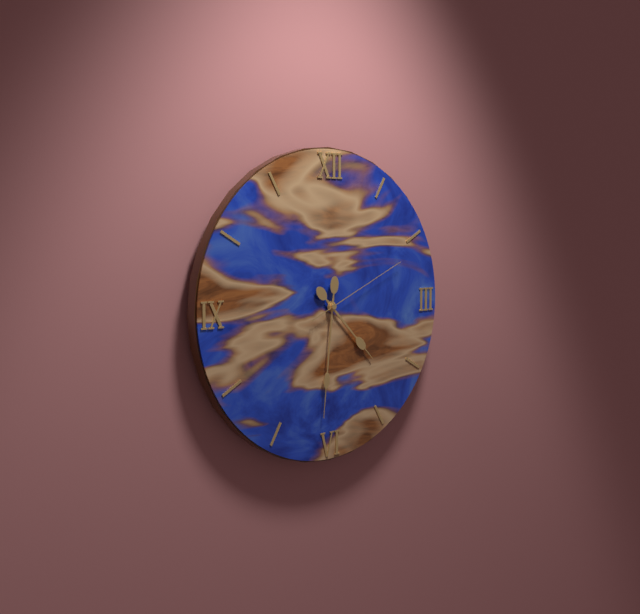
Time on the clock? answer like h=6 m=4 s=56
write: h=4 m=31 s=11
